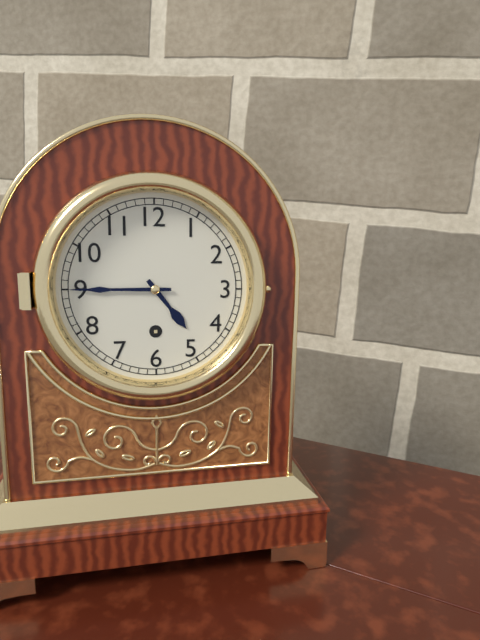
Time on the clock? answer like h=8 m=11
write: h=4 m=45
